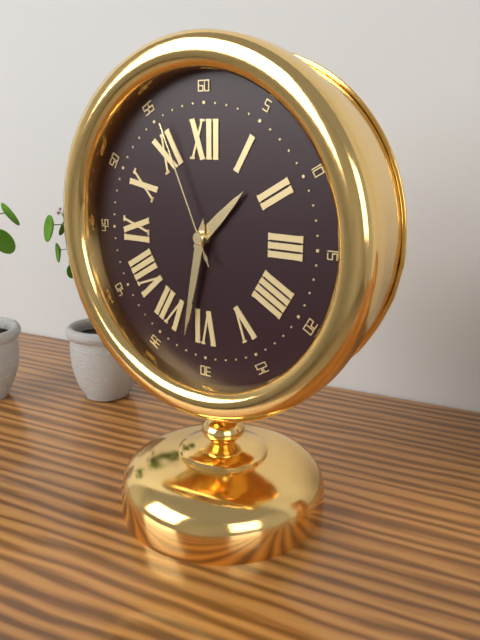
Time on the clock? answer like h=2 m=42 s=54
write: h=1 m=32 s=56
